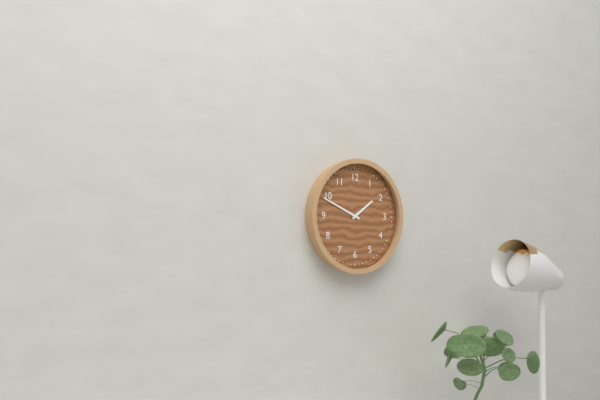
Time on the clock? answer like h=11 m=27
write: h=1 m=49
